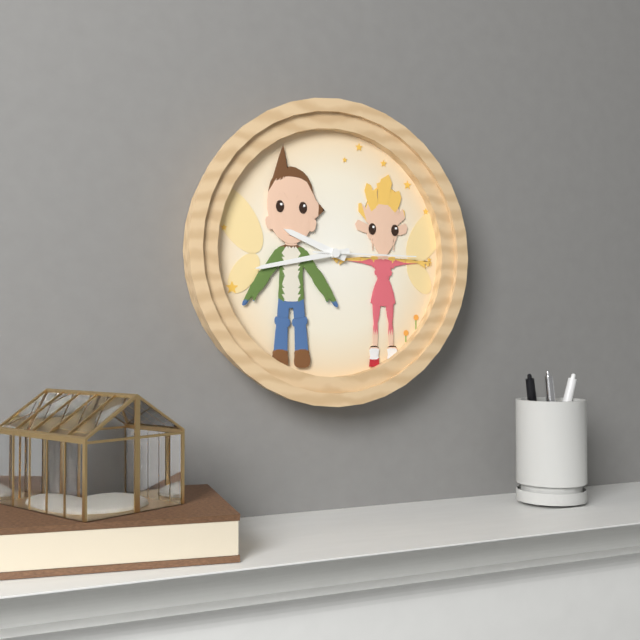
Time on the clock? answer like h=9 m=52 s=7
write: h=9 m=43 s=15
